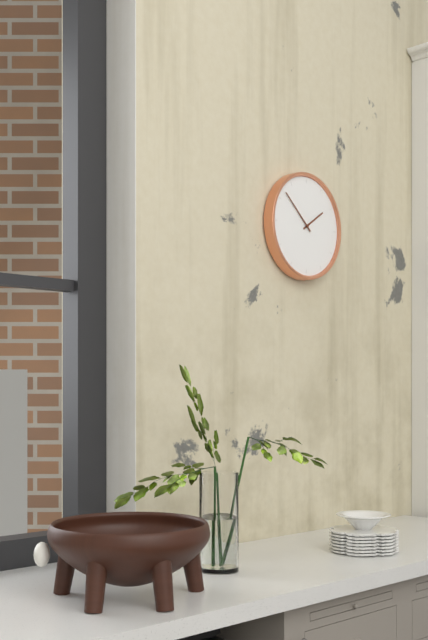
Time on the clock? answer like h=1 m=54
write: h=1 m=52
